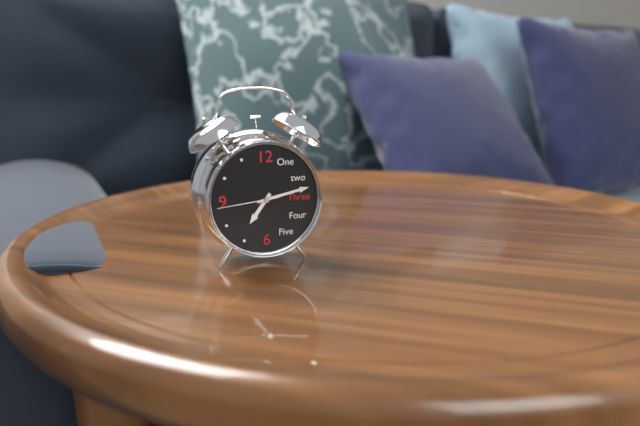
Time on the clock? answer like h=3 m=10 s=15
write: h=7 m=13 s=44
